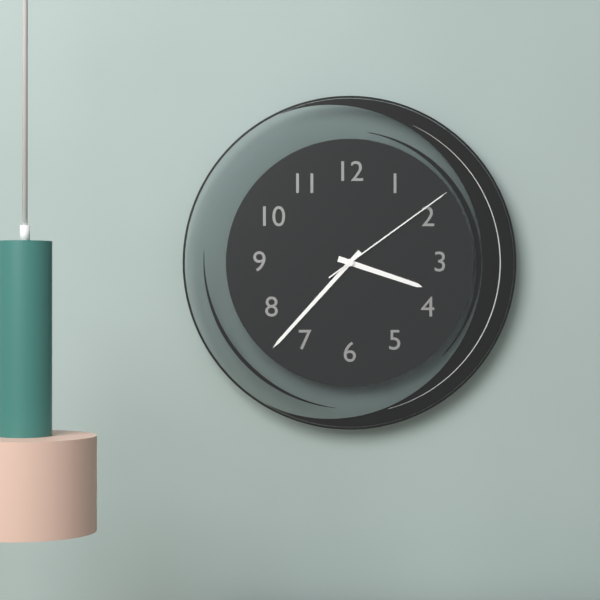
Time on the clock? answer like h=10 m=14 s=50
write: h=3 m=37 s=9
